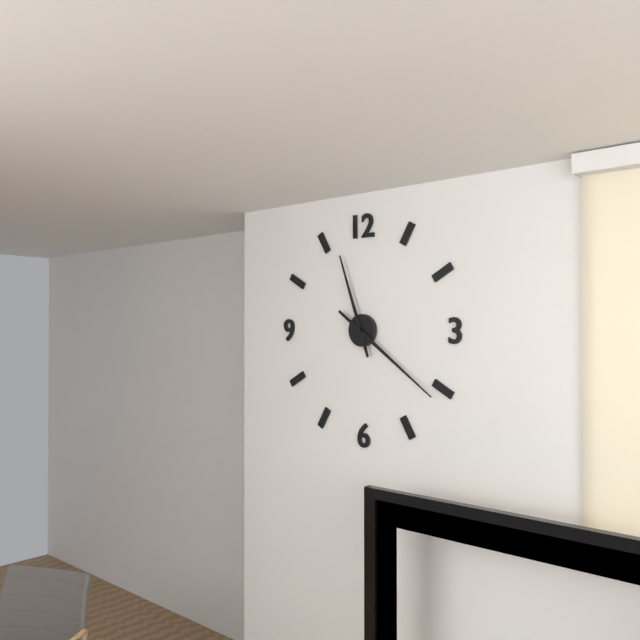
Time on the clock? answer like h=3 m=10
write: h=11 m=21
